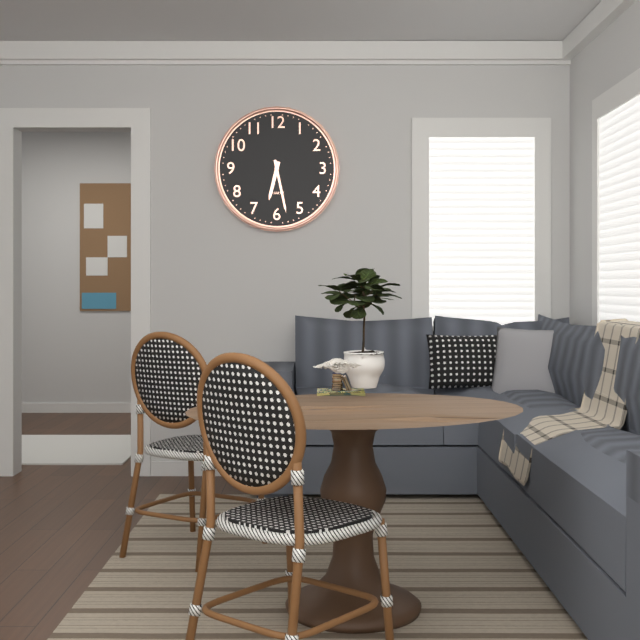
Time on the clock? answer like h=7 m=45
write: h=6 m=28
